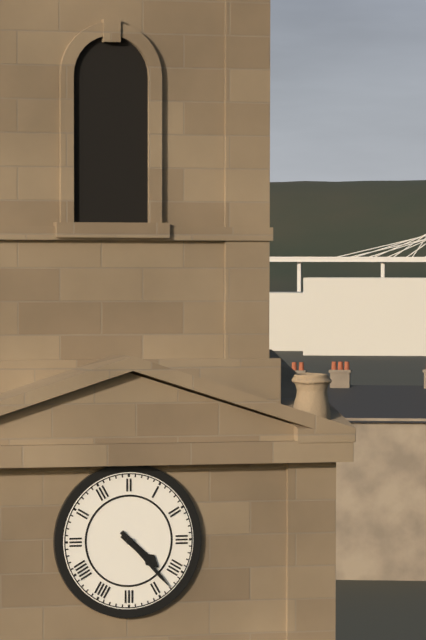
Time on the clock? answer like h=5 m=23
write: h=4 m=23
